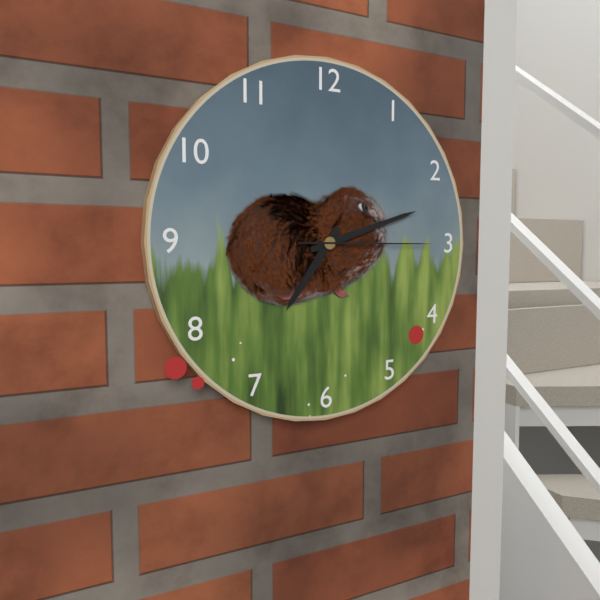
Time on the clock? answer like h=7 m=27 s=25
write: h=7 m=12 s=15
